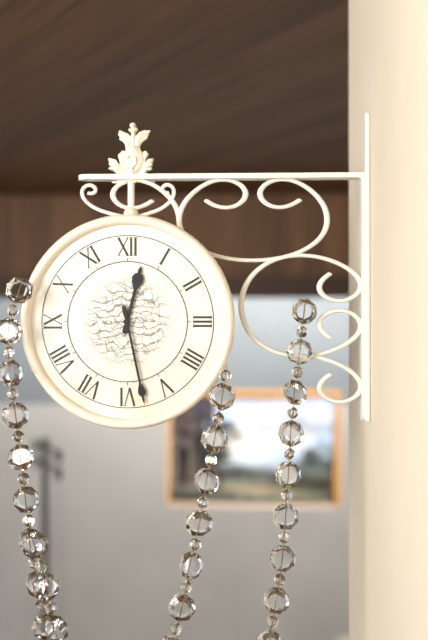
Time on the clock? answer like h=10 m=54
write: h=12 m=28
